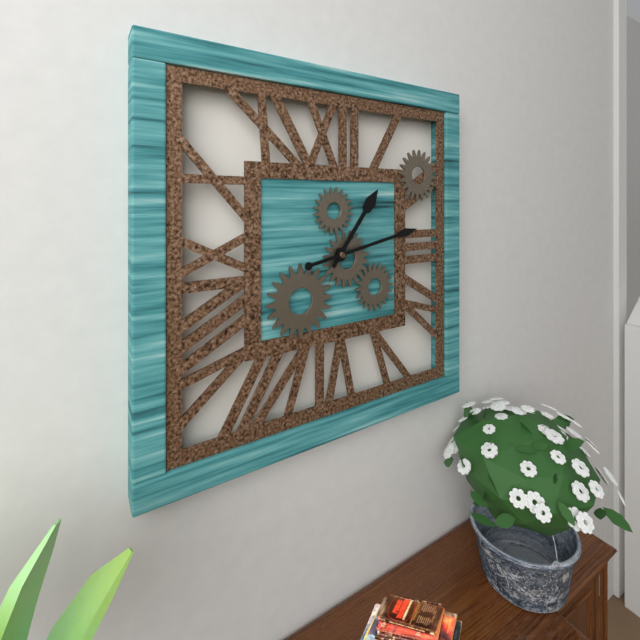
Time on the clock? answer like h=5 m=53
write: h=1 m=13
